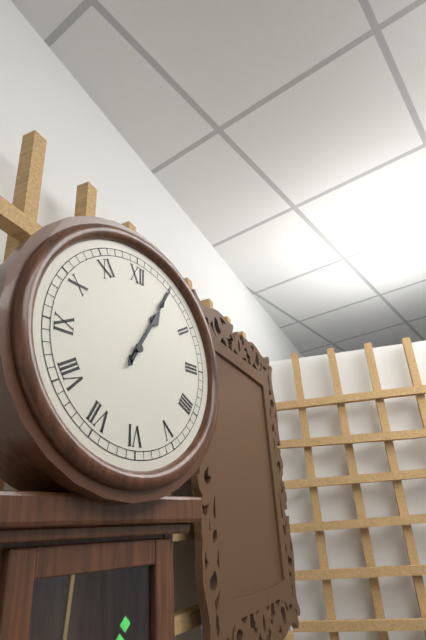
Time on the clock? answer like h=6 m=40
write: h=1 m=5
